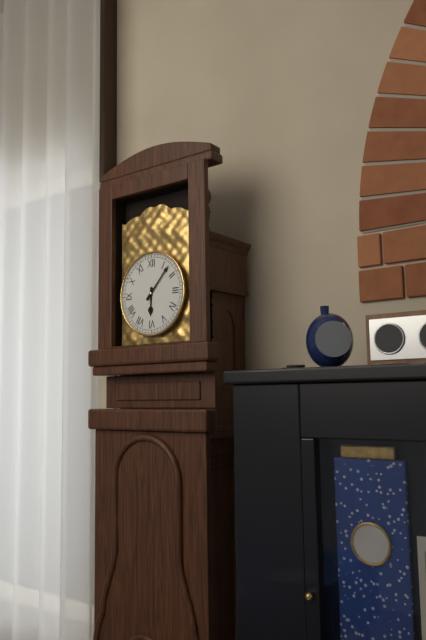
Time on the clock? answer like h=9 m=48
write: h=6 m=7
